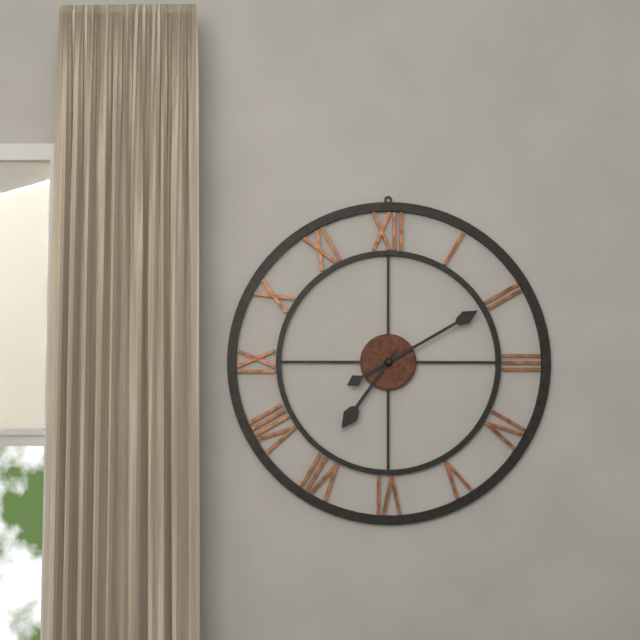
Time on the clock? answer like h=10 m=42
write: h=7 m=10
